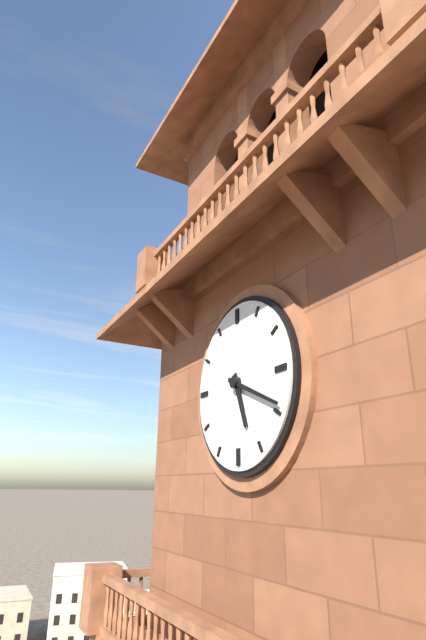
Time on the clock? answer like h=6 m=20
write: h=5 m=19
